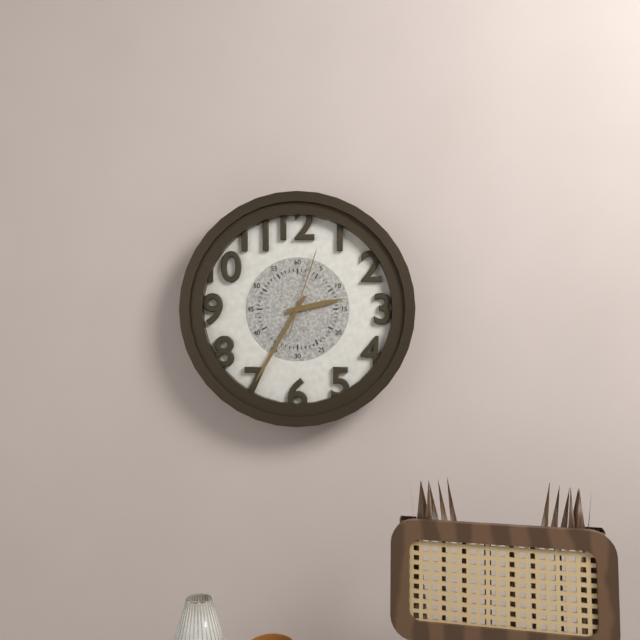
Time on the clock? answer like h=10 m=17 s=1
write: h=2 m=35 s=3
